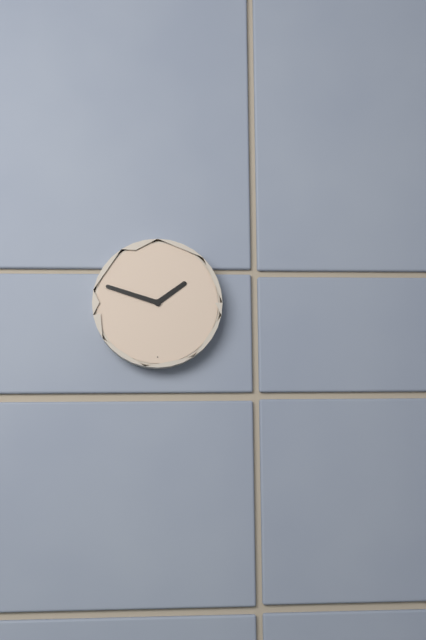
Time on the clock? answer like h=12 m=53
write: h=1 m=48
